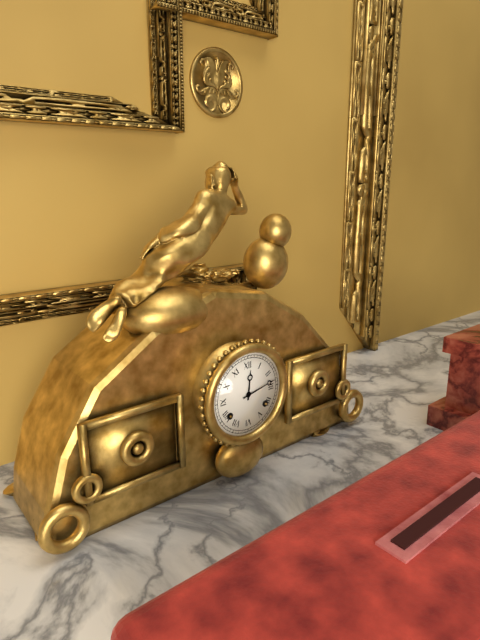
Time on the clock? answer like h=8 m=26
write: h=12 m=13
